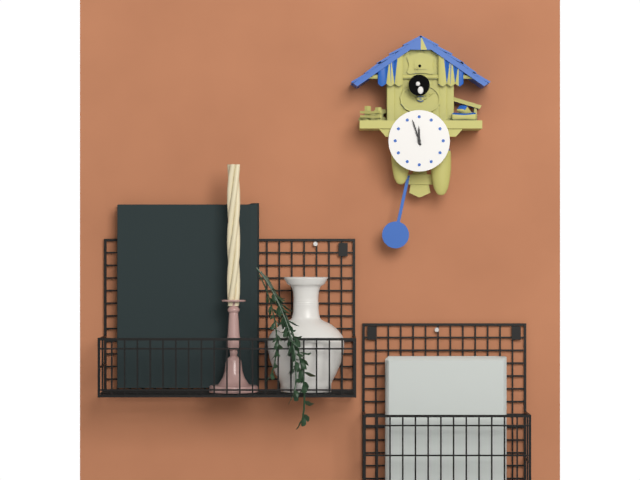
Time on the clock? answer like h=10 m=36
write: h=11 m=57
